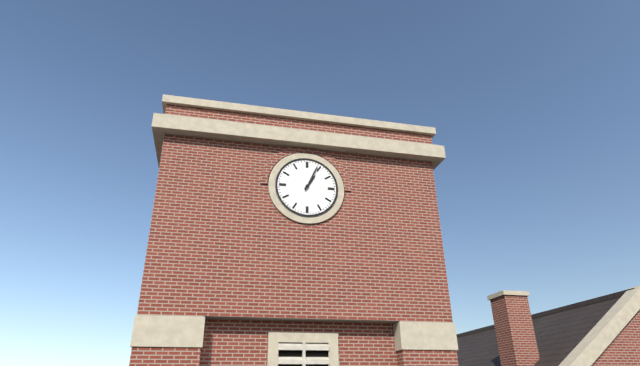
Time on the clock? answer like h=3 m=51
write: h=1 m=4
